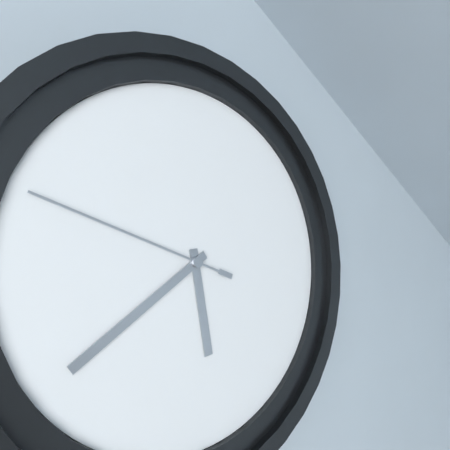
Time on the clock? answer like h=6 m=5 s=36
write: h=5 m=39 s=48
